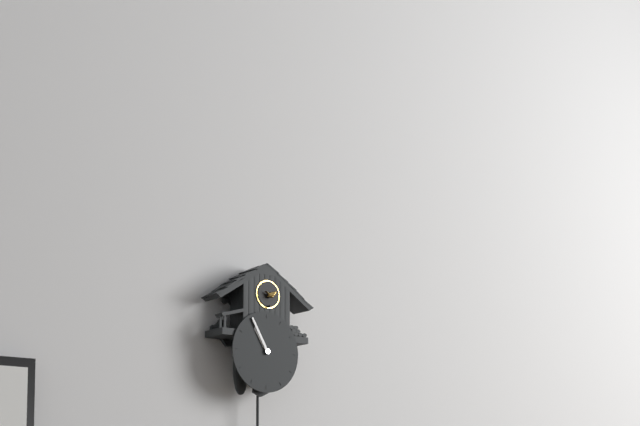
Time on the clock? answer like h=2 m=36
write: h=10 m=55
